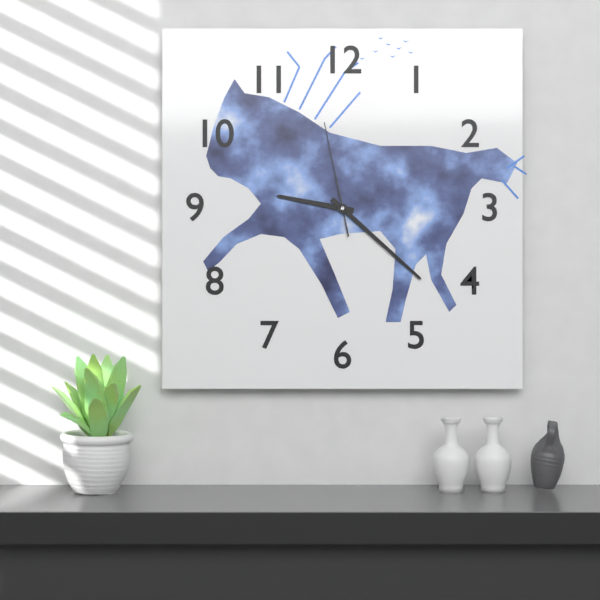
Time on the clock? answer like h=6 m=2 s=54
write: h=9 m=22 s=58
